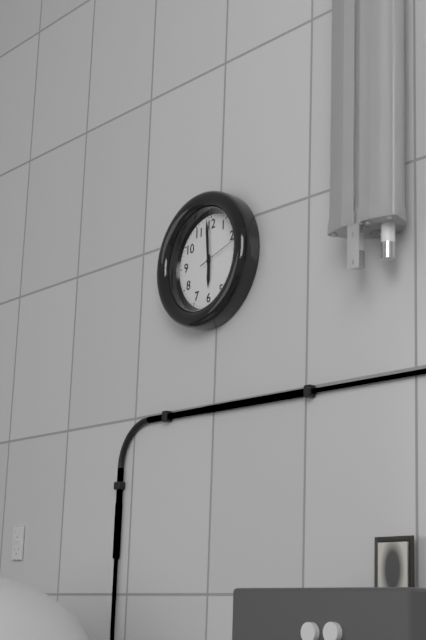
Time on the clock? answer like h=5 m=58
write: h=5 m=59
